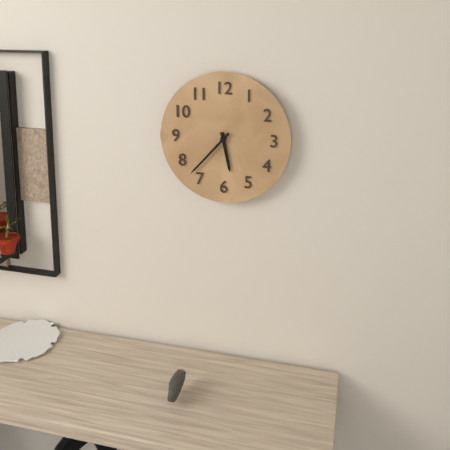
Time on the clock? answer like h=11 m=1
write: h=5 m=37
